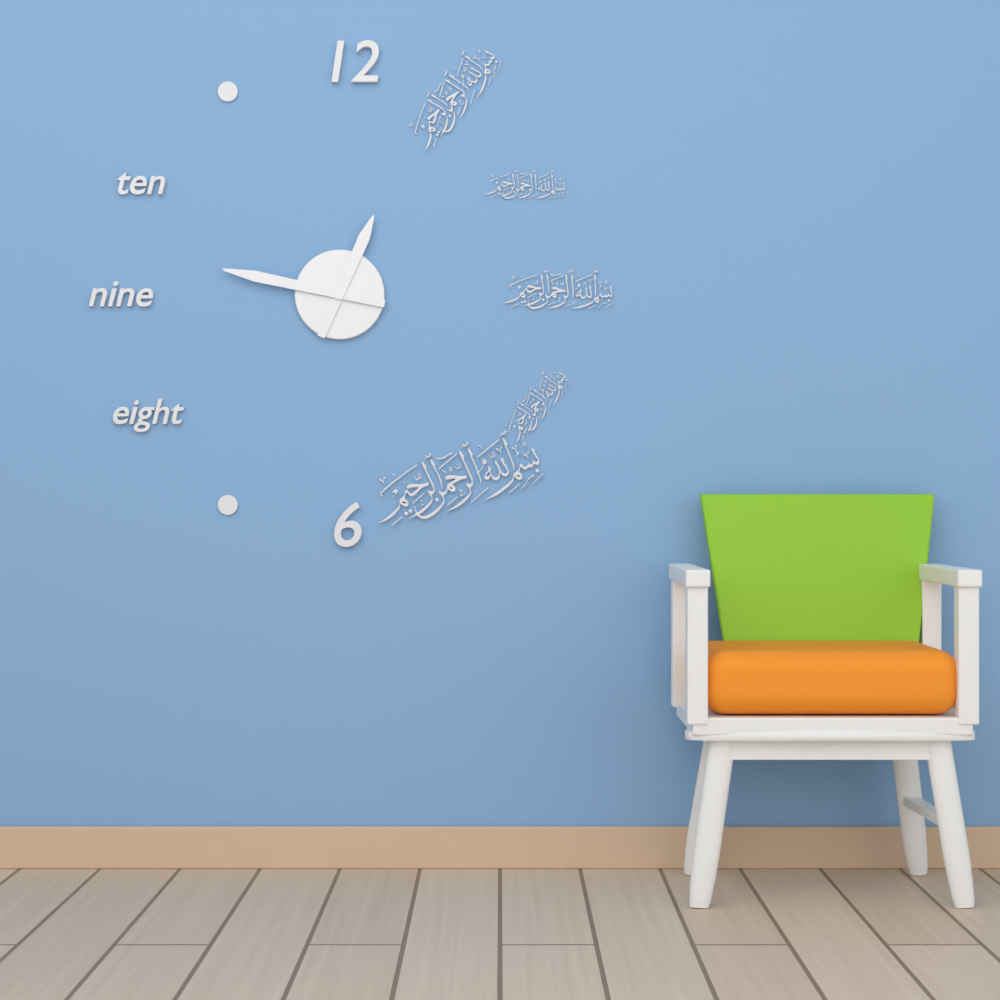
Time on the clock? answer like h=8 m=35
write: h=12 m=47
